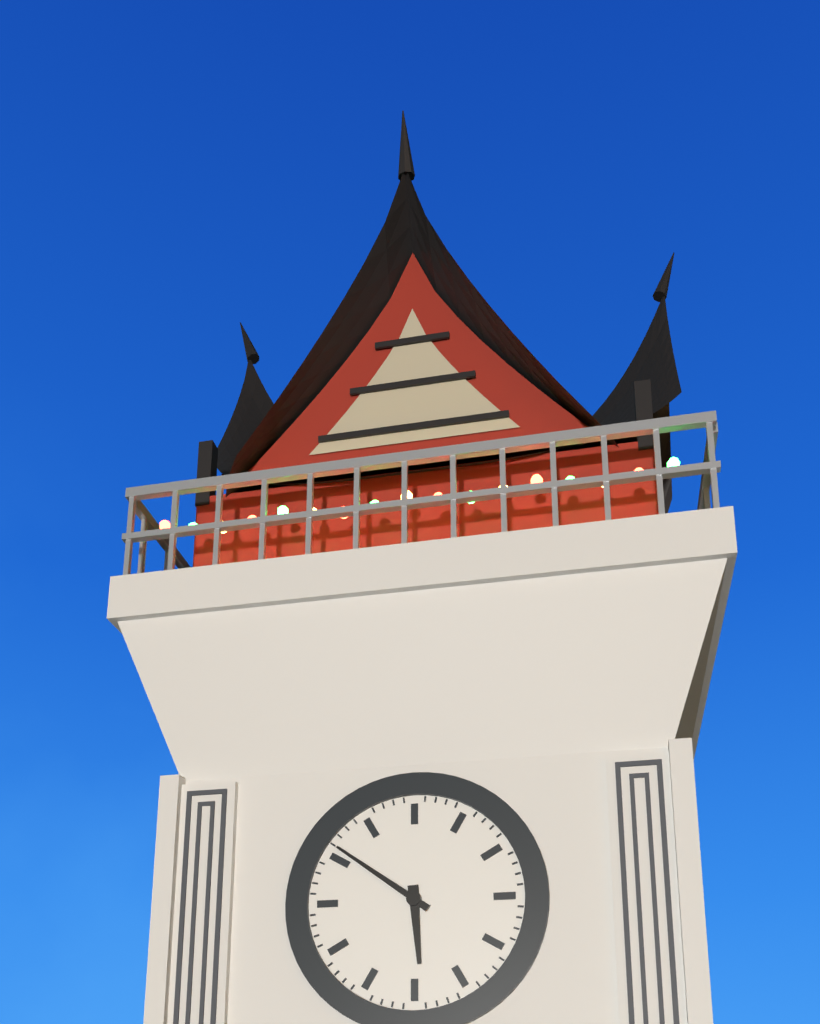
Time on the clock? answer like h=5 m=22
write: h=5 m=51
